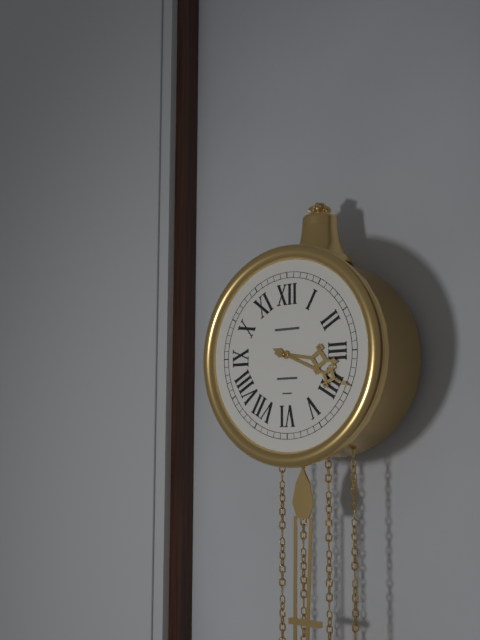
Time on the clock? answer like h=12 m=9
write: h=3 m=19
